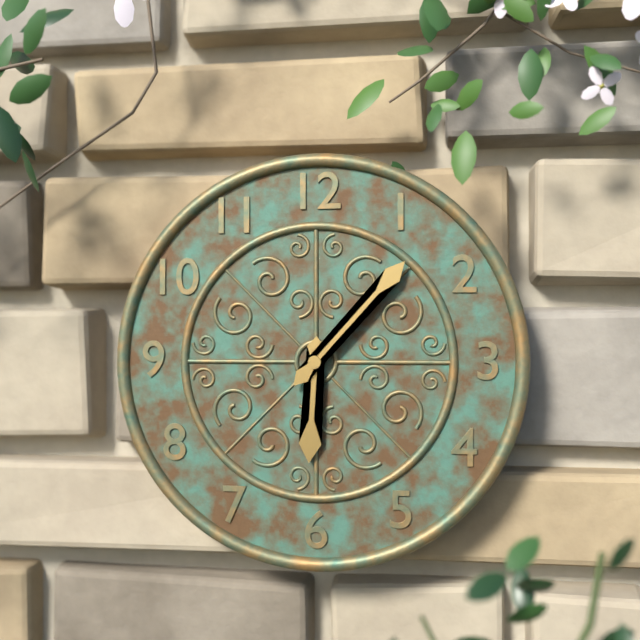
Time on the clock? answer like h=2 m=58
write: h=6 m=7
